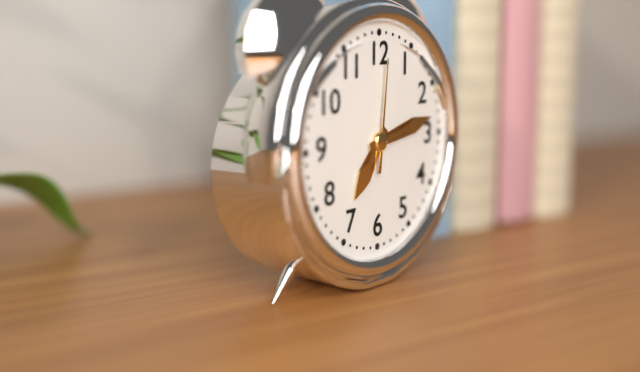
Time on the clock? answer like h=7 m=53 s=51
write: h=7 m=13 s=1
